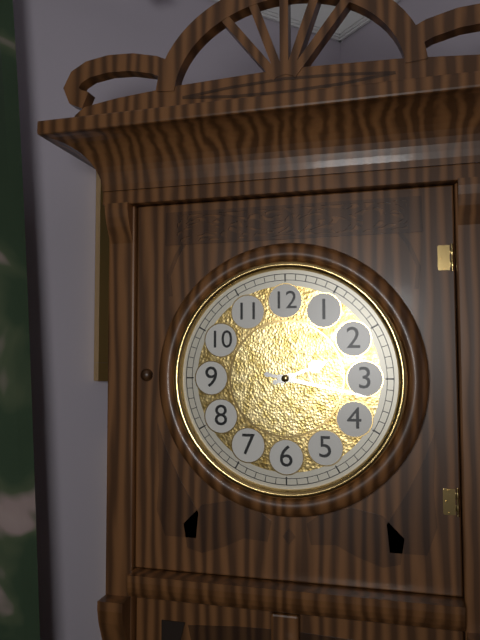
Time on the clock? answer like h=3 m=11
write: h=2 m=17
